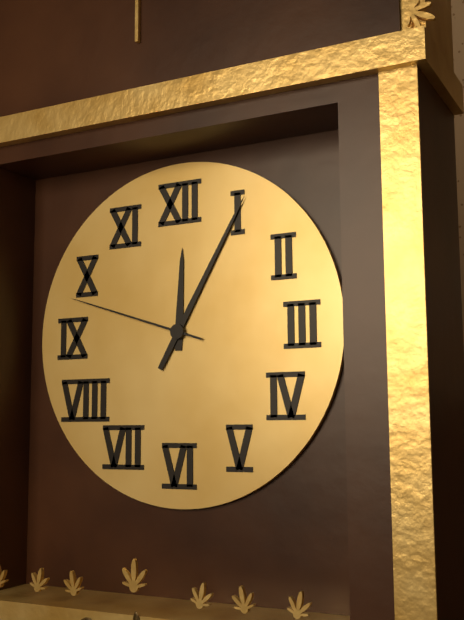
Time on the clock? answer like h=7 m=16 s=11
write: h=12 m=5 s=48
